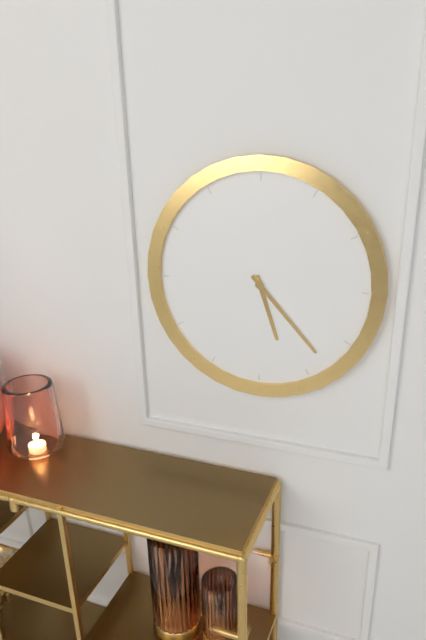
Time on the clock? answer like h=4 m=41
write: h=5 m=23
